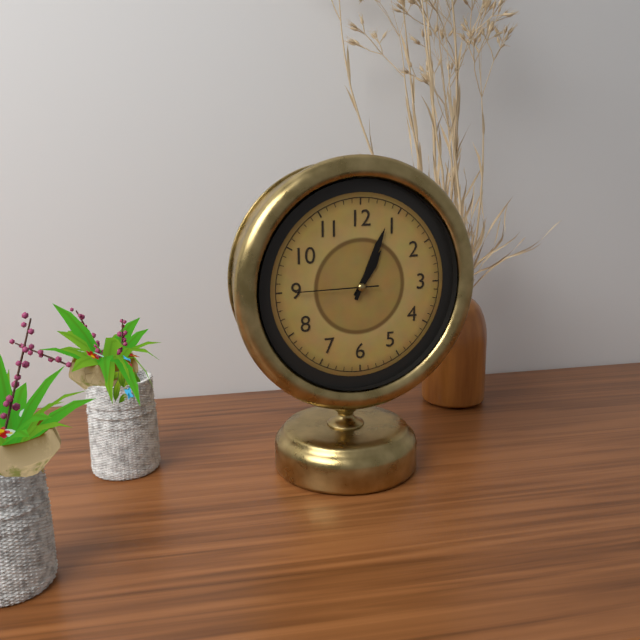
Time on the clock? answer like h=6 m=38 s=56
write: h=1 m=4 s=45
